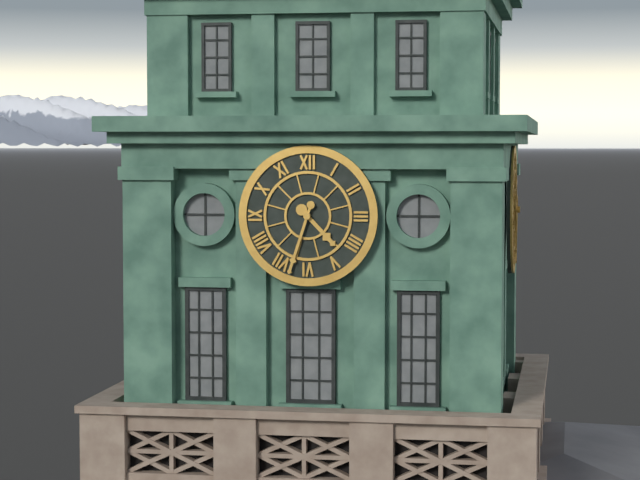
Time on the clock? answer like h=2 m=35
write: h=4 m=33
